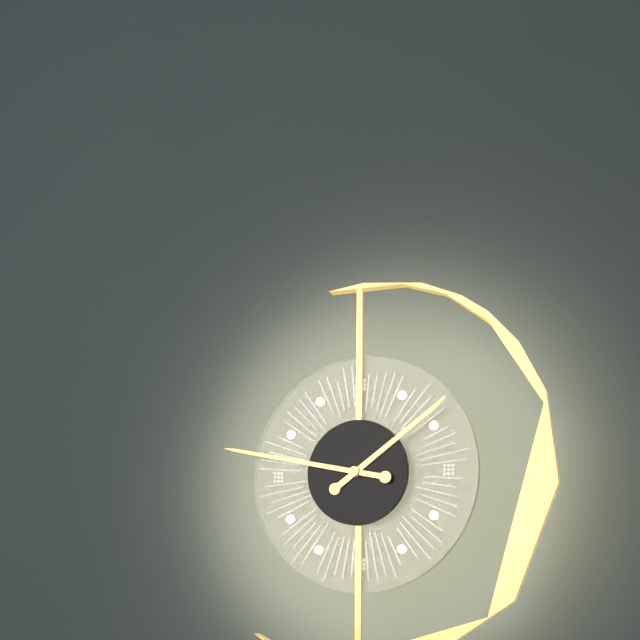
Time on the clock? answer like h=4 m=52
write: h=1 m=47
